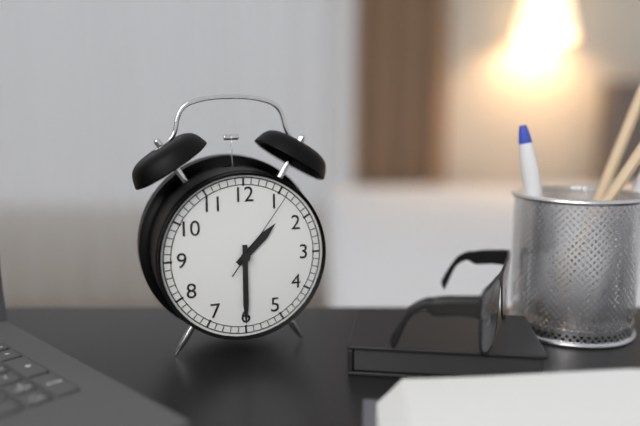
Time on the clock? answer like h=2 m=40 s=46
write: h=1 m=30 s=6
